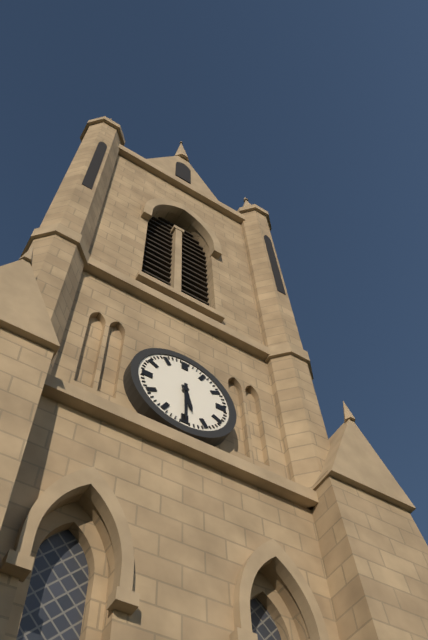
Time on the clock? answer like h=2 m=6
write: h=5 m=30
